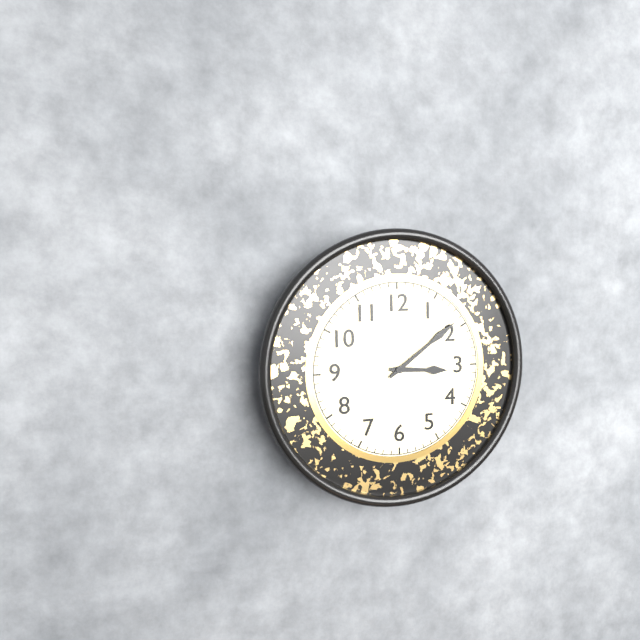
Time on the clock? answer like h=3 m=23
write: h=3 m=9
